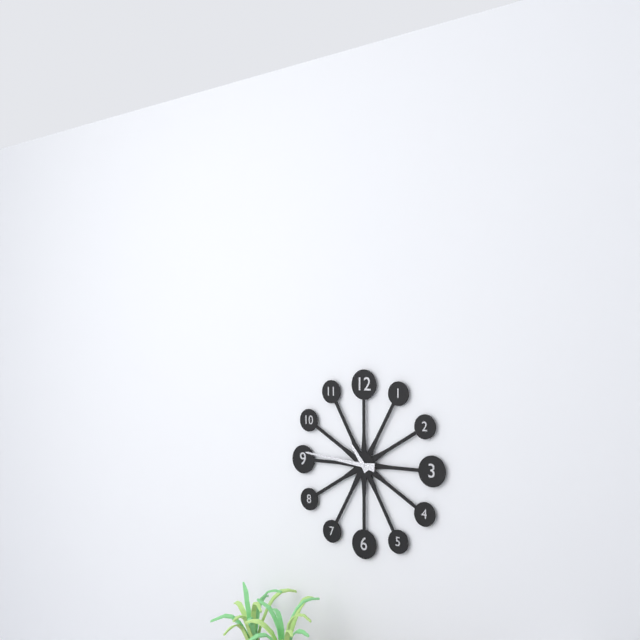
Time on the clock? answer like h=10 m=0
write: h=10 m=46
